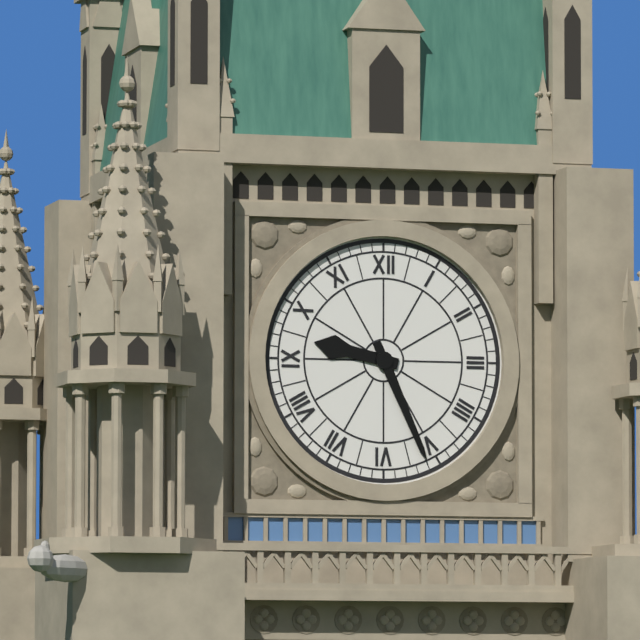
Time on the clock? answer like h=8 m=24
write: h=9 m=26
